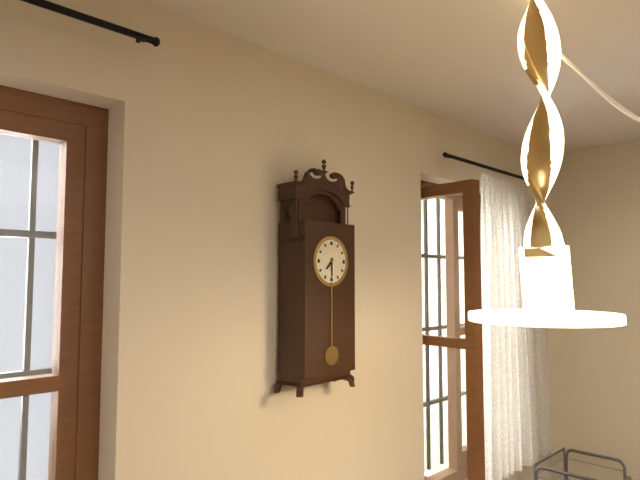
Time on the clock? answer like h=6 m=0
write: h=7 m=30
